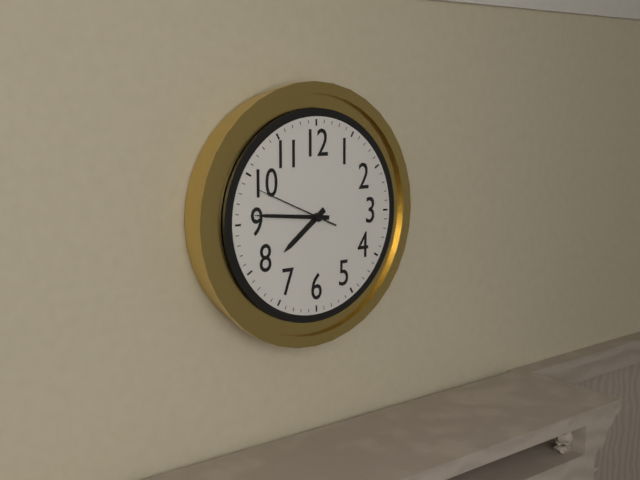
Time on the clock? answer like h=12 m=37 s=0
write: h=7 m=46 s=49
